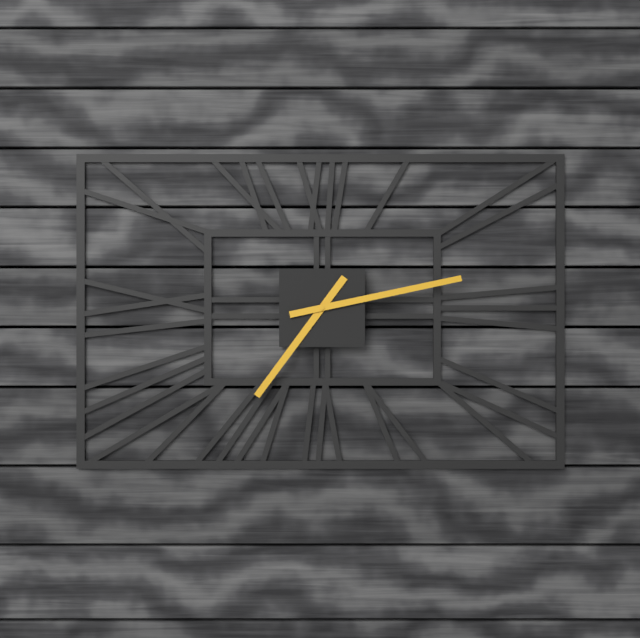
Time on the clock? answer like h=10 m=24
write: h=7 m=13
